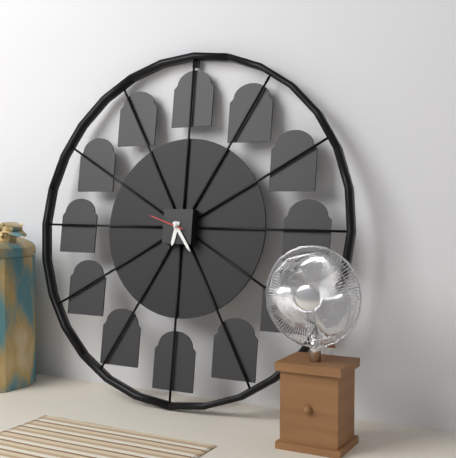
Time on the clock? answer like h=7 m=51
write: h=6 m=24
